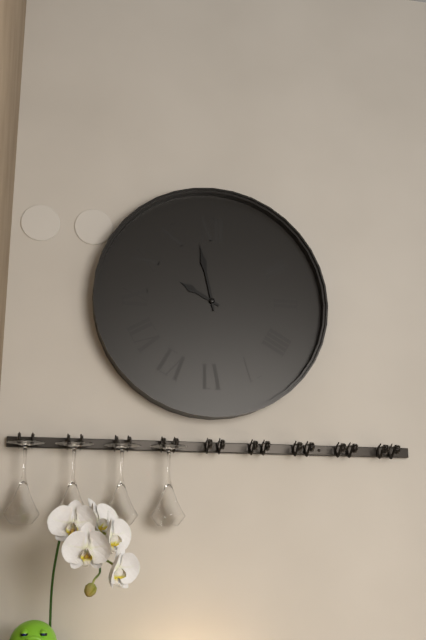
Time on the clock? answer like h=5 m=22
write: h=9 m=58
